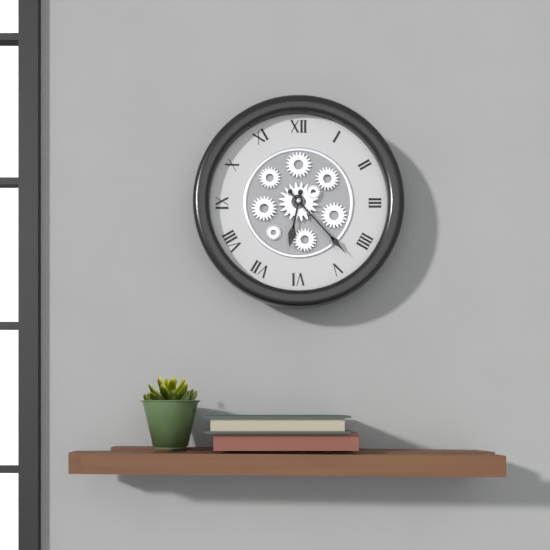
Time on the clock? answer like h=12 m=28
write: h=6 m=23
